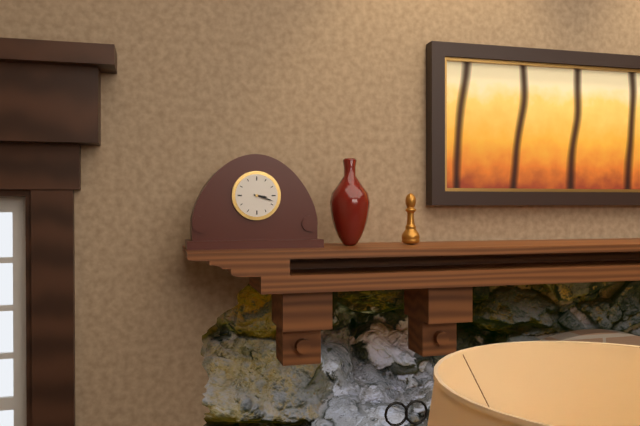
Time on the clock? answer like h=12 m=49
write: h=3 m=18
